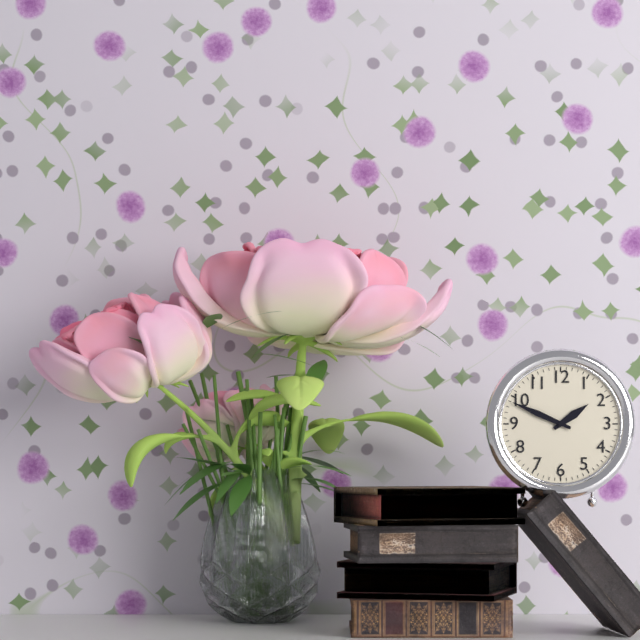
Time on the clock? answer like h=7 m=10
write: h=1 m=49
